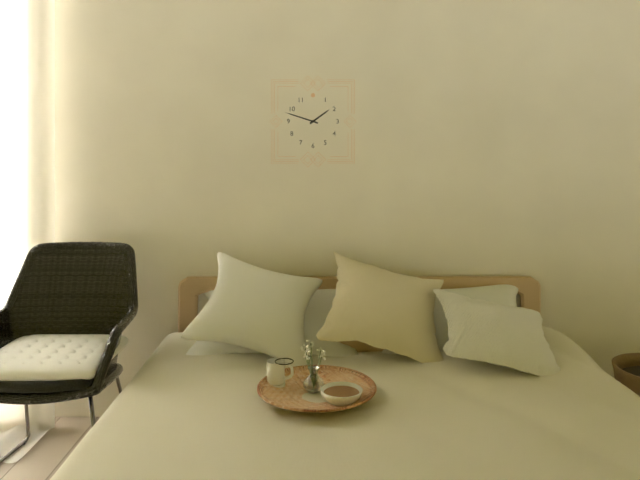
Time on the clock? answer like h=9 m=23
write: h=1 m=48
